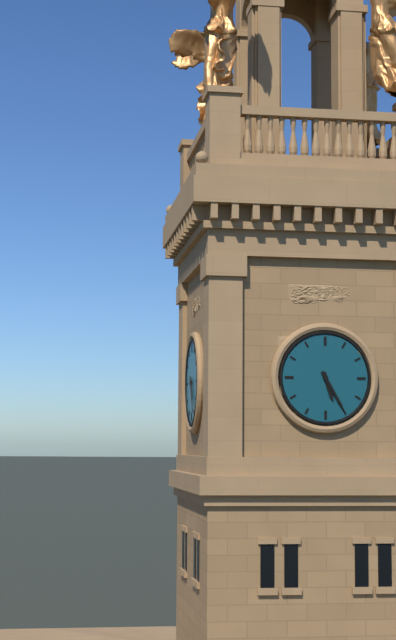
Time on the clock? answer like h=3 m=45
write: h=5 m=25
